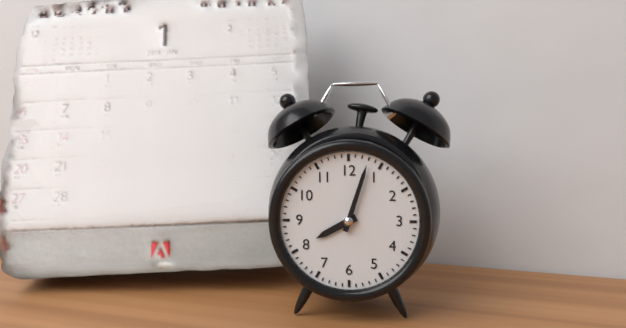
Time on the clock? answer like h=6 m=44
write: h=8 m=3
